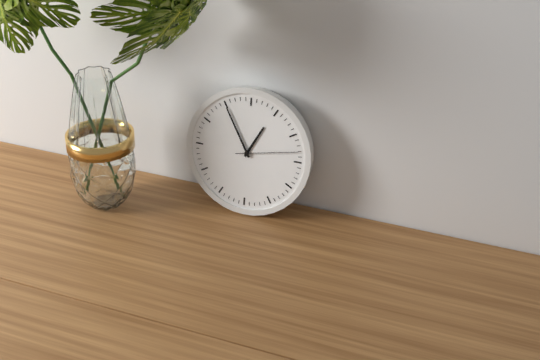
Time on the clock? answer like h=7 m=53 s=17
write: h=12 m=55 s=13
